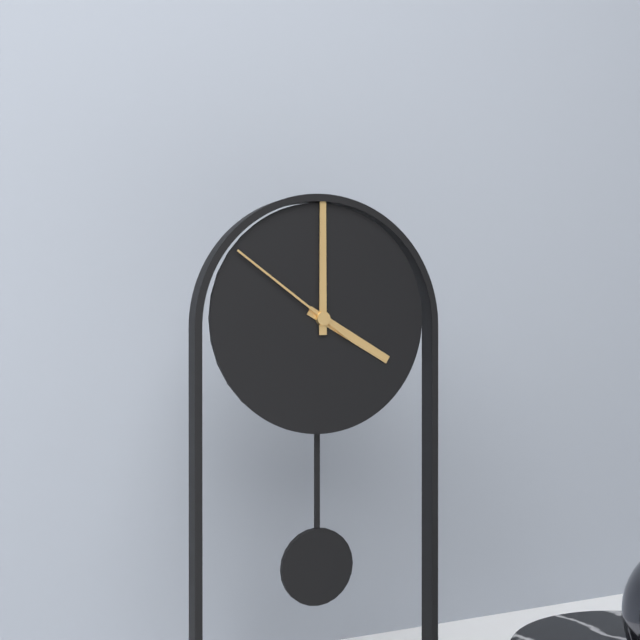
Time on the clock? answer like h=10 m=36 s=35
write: h=4 m=0 s=51
